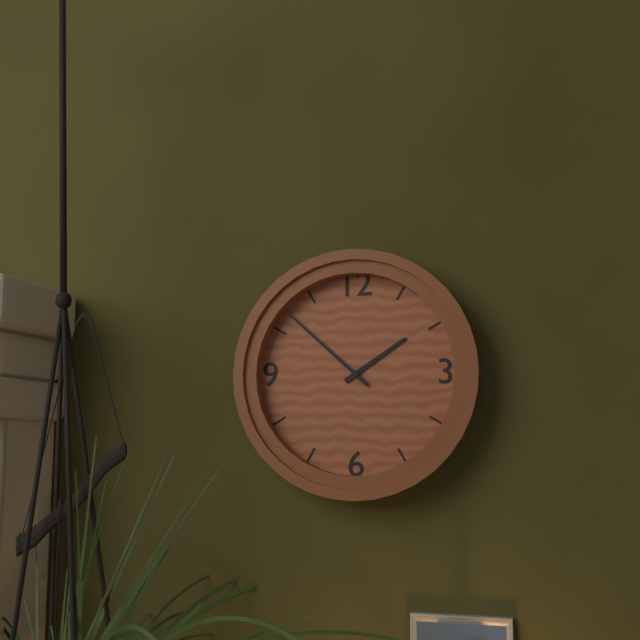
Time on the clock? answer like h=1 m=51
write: h=1 m=52
